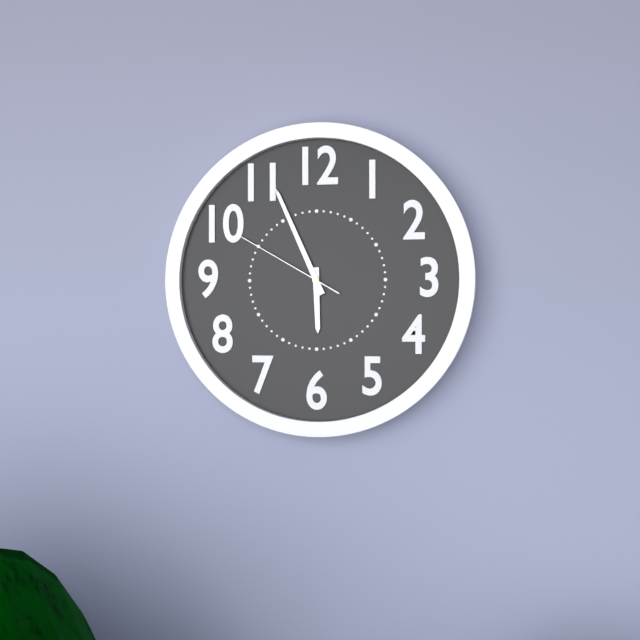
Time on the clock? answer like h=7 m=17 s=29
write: h=5 m=56 s=50
